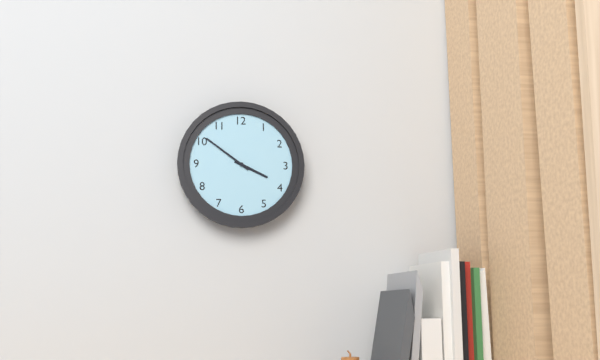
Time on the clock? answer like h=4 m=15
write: h=3 m=51
